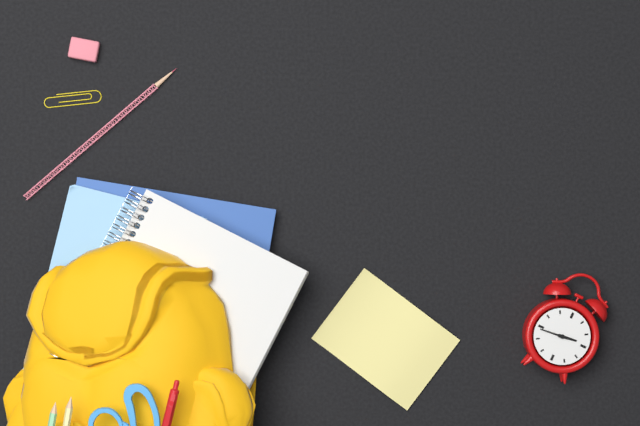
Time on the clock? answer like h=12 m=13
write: h=2 m=44
